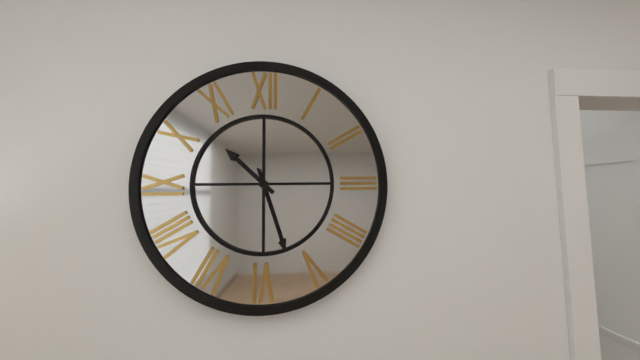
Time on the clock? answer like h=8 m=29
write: h=10 m=27
